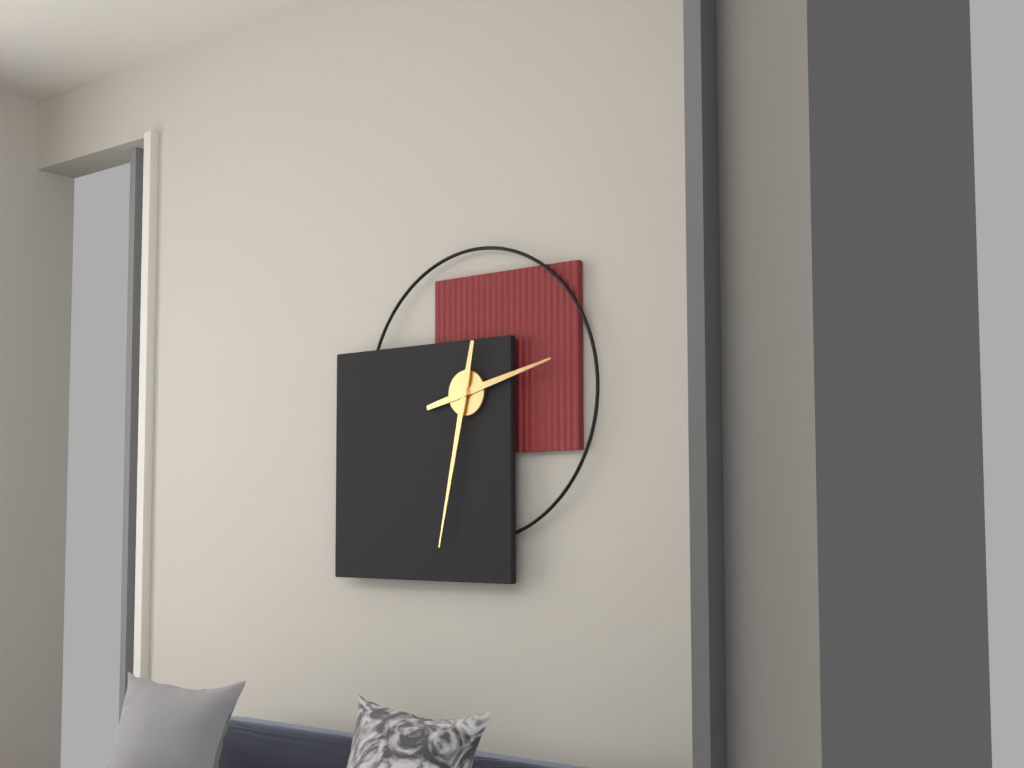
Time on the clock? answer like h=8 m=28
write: h=2 m=32
